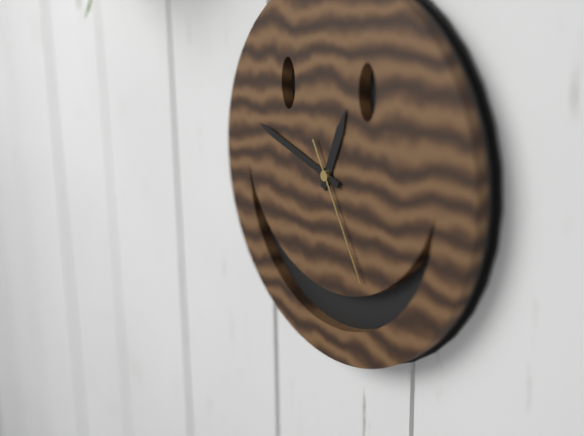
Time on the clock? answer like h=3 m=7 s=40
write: h=12 m=48 s=25
